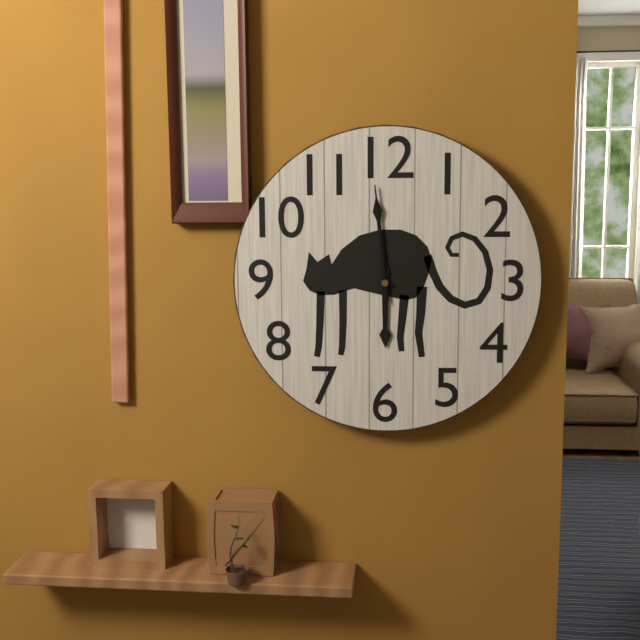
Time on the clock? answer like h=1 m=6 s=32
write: h=5 m=59 s=59
